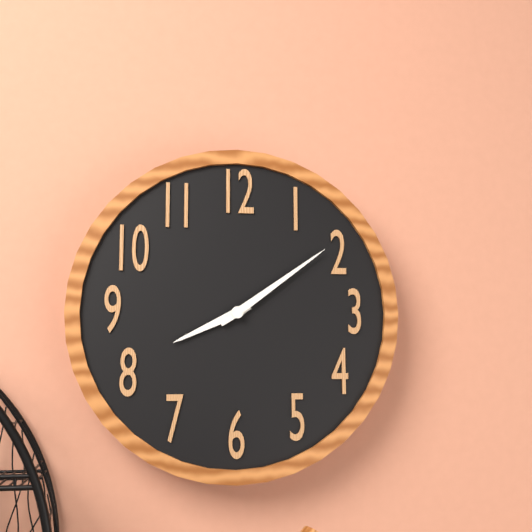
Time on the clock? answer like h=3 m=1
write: h=8 m=9
